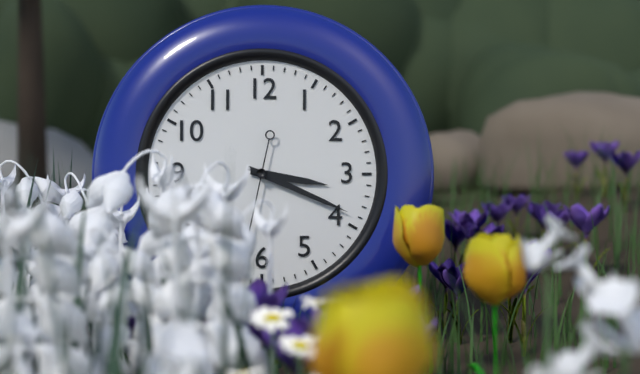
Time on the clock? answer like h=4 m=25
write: h=3 m=19
